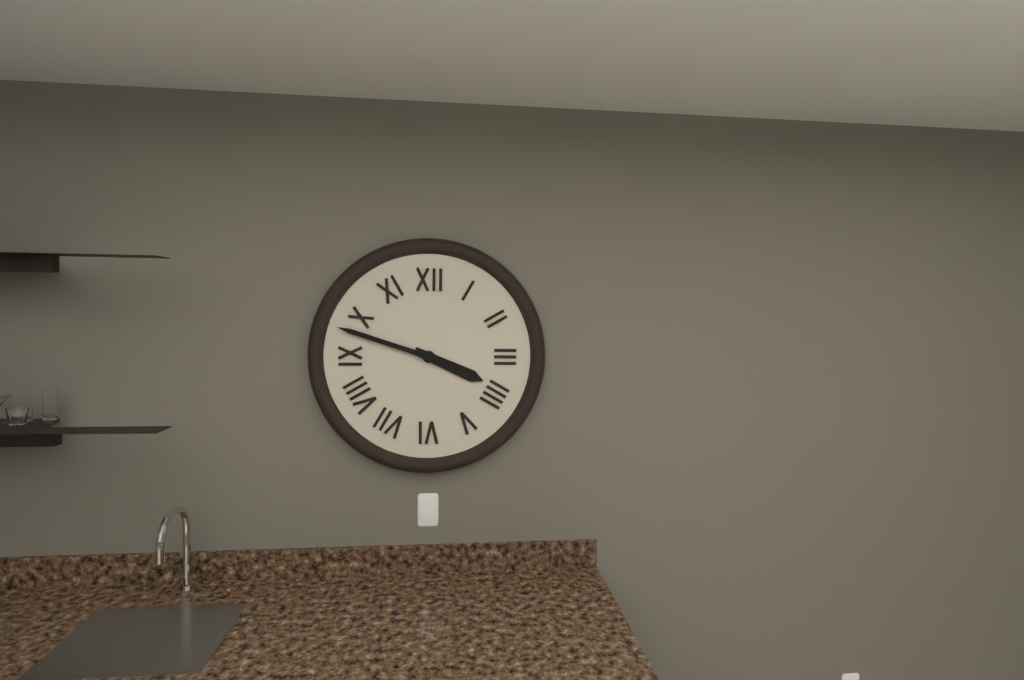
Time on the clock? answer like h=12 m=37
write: h=3 m=48
